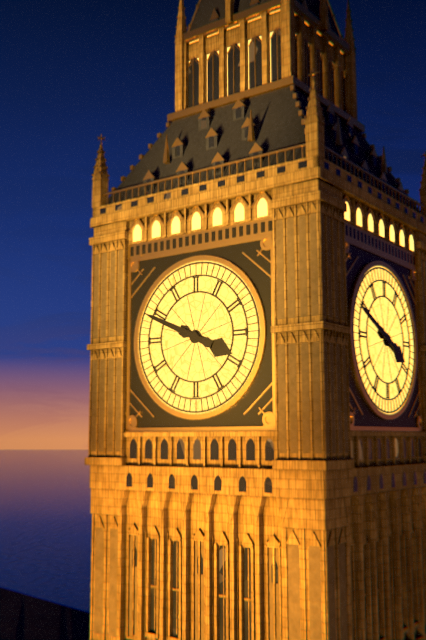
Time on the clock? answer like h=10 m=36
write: h=3 m=49
